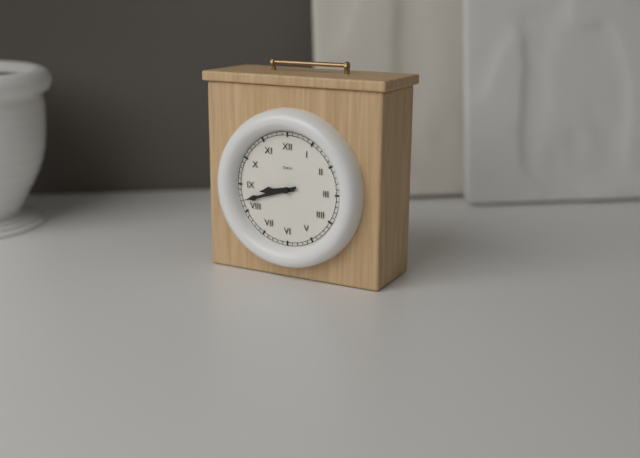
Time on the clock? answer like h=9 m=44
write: h=8 m=42
